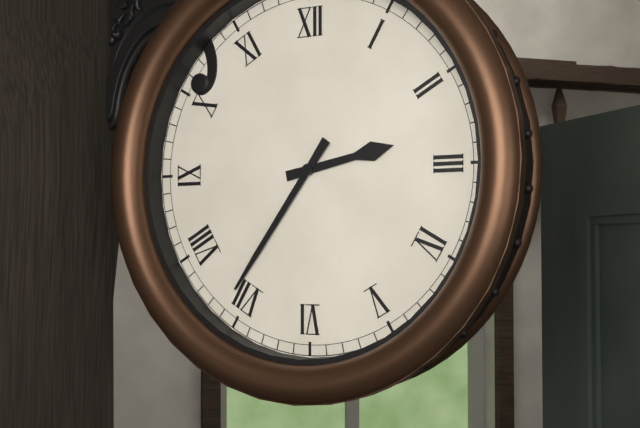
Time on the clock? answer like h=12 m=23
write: h=2 m=36
